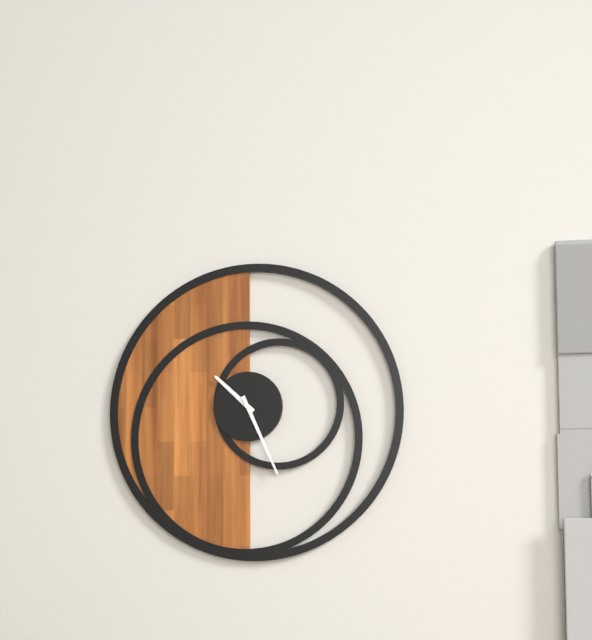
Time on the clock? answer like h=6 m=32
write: h=10 m=26
